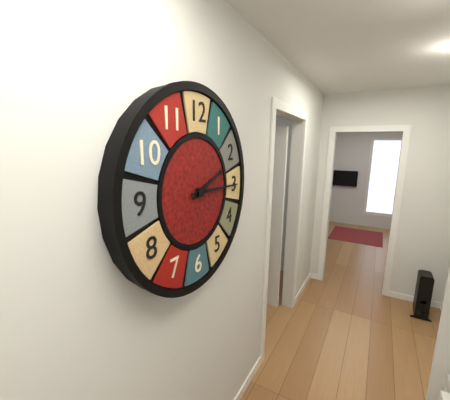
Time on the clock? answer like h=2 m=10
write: h=2 m=15
